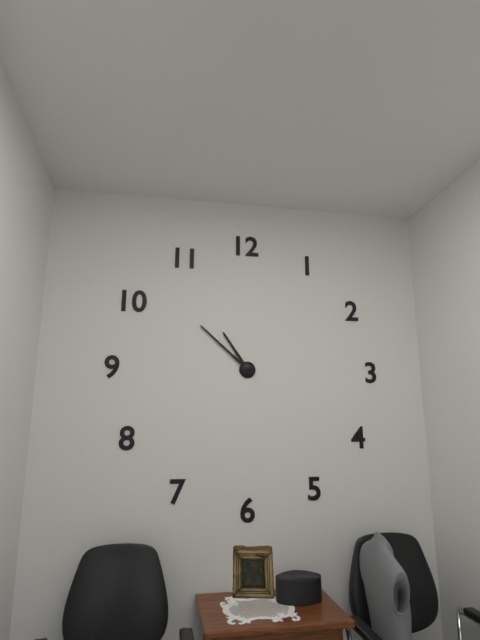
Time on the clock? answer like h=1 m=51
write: h=10 m=52
